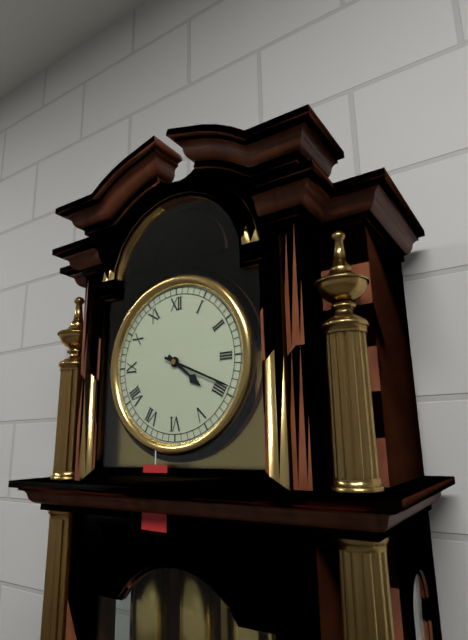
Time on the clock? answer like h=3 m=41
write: h=4 m=19
